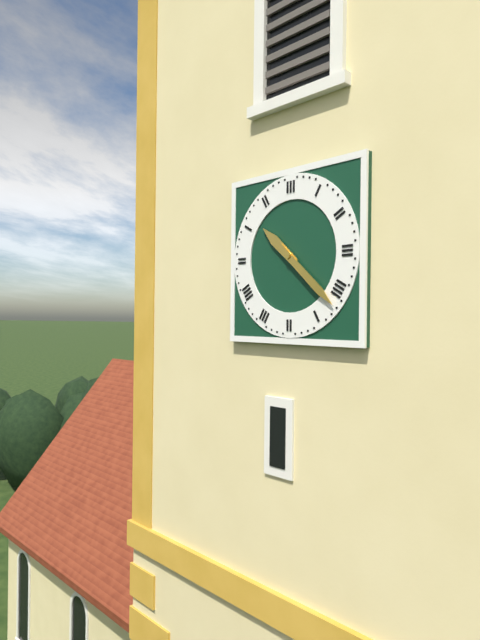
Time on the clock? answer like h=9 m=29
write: h=10 m=22
